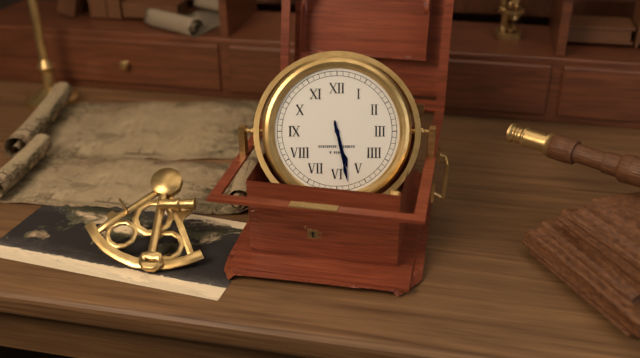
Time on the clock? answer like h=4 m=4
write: h=5 m=28
